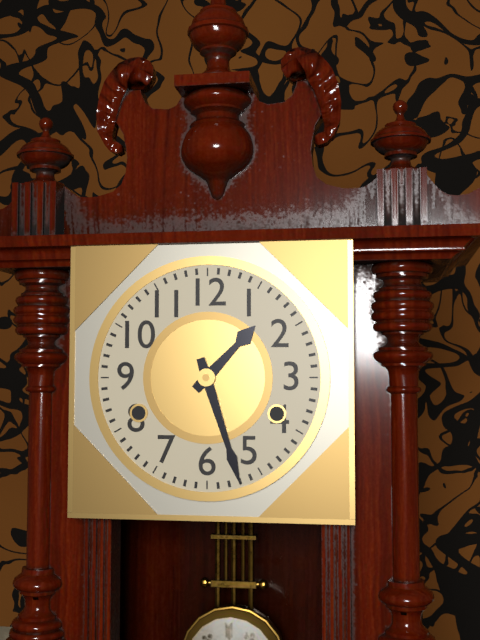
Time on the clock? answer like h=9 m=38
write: h=1 m=27
